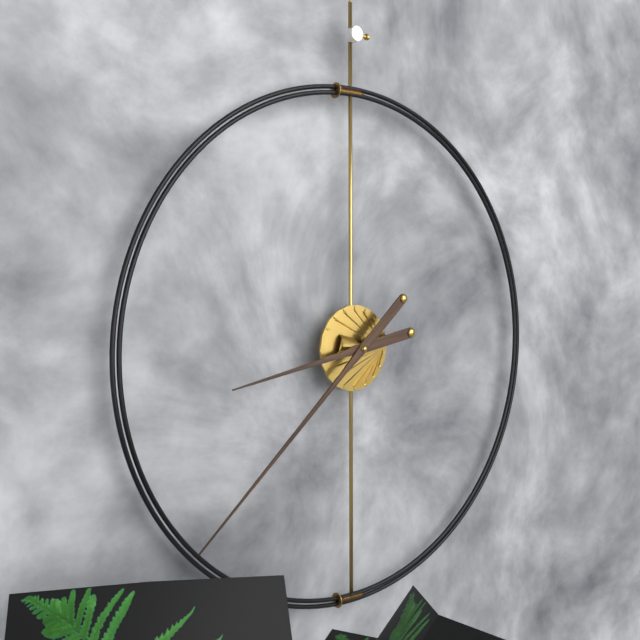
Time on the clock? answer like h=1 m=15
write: h=8 m=38
